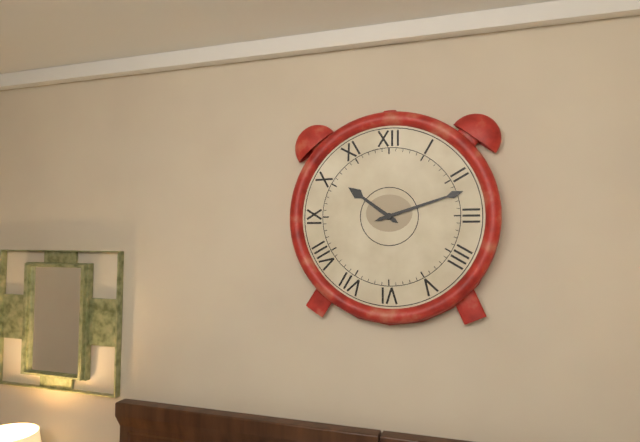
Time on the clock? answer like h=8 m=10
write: h=10 m=12
